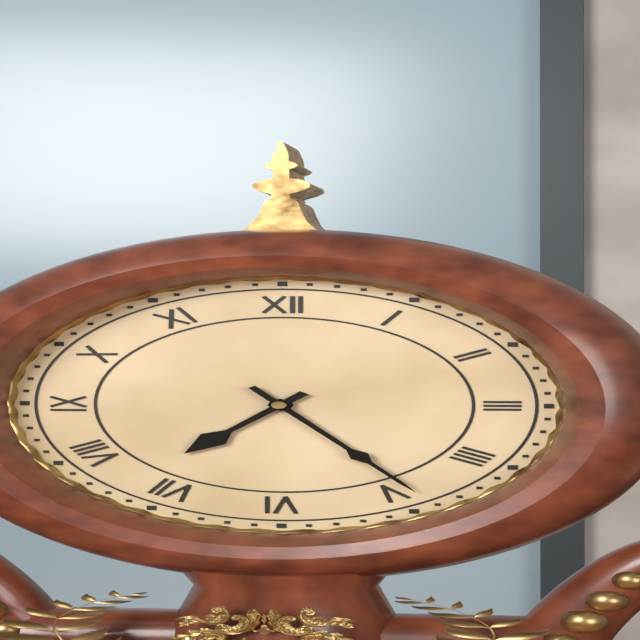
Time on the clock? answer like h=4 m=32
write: h=7 m=24
